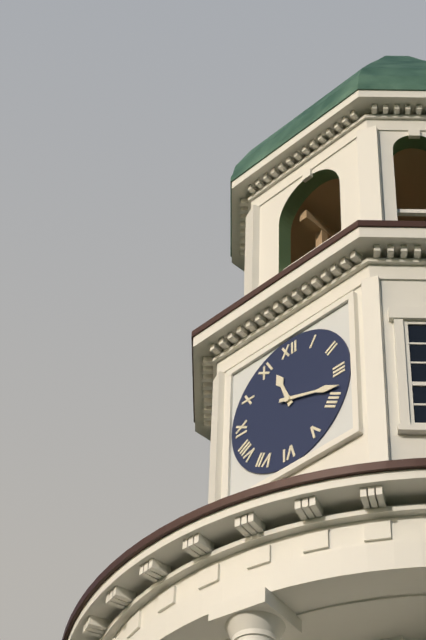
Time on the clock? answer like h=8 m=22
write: h=11 m=18
